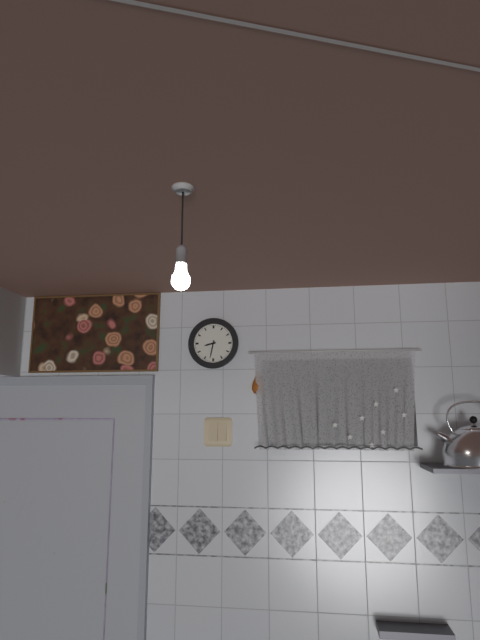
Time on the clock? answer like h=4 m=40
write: h=8 m=32
